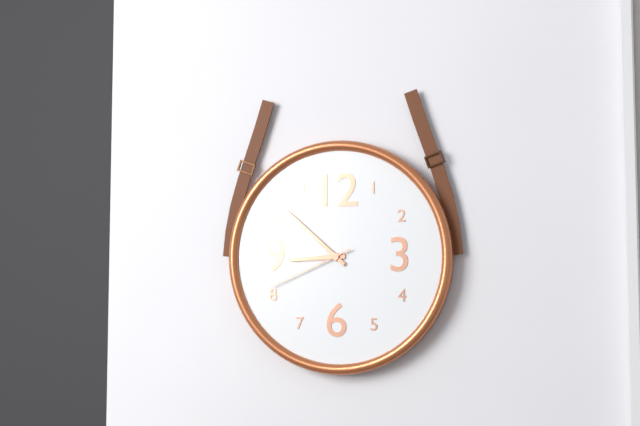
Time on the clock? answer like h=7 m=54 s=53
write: h=8 m=52 s=41
